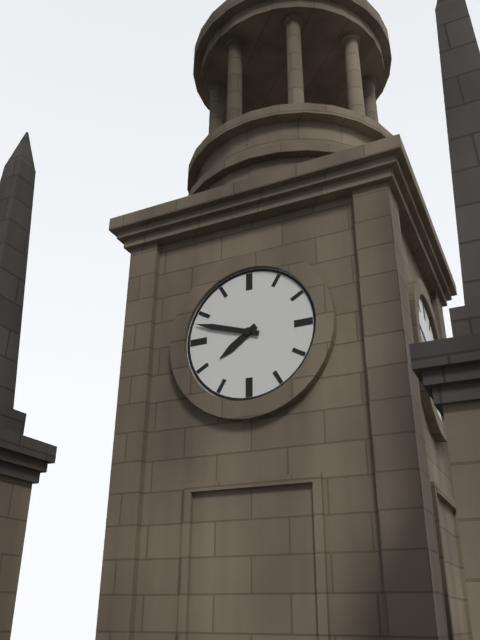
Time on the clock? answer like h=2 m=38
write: h=7 m=48
